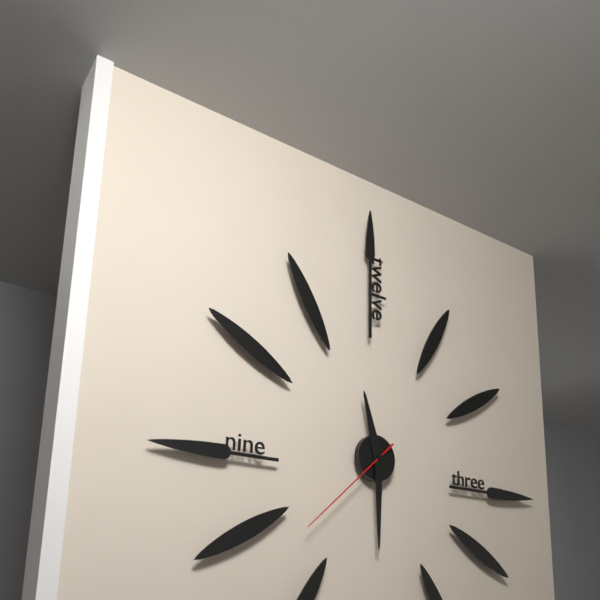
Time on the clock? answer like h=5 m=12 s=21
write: h=11 m=30 s=38
